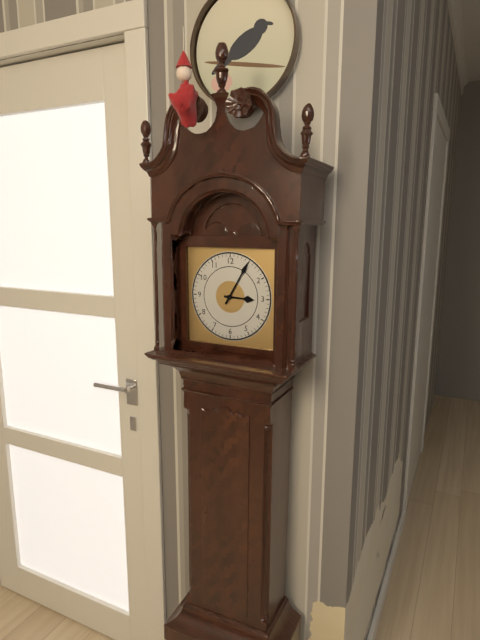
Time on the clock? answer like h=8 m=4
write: h=3 m=5
